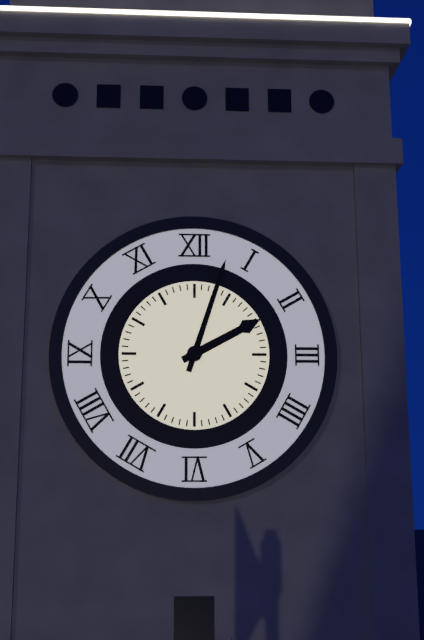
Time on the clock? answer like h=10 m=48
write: h=2 m=3
